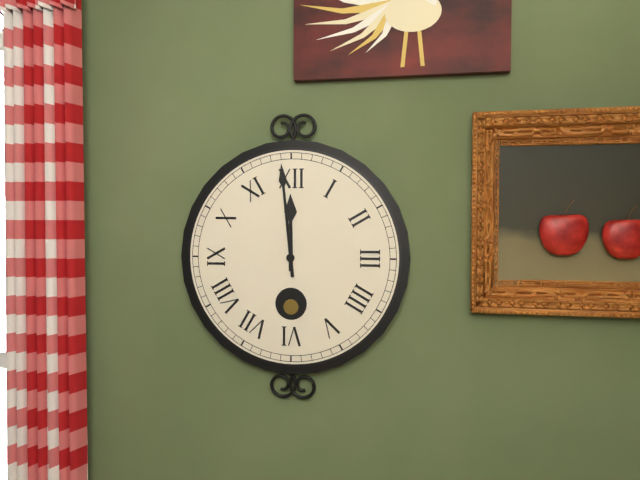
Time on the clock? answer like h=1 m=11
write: h=11 m=59
